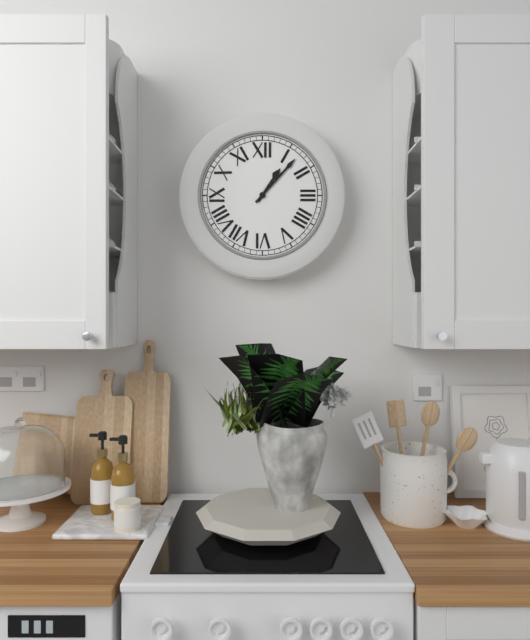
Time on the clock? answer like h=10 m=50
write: h=1 m=7
